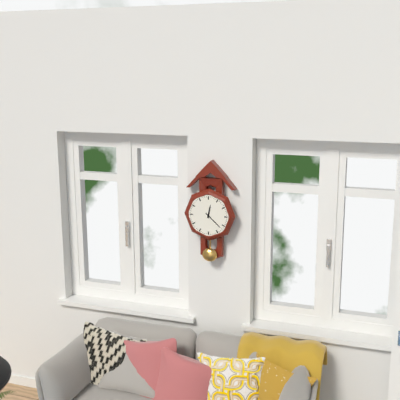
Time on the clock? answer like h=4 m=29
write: h=12 m=22
